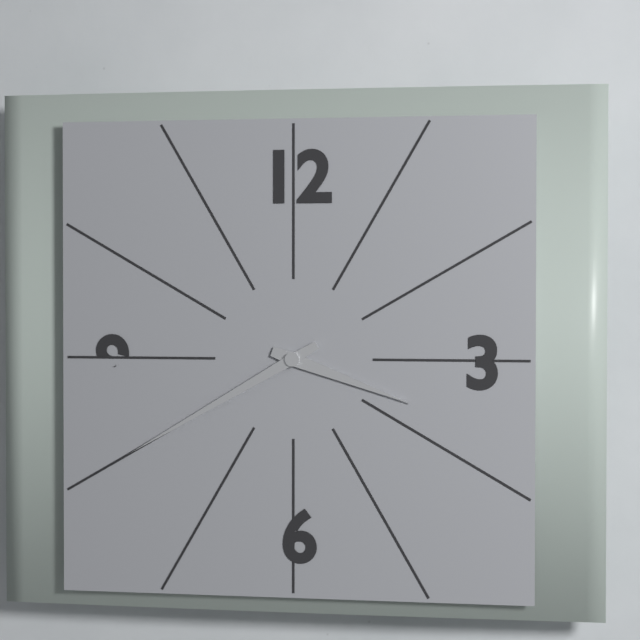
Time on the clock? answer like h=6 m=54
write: h=3 m=40
